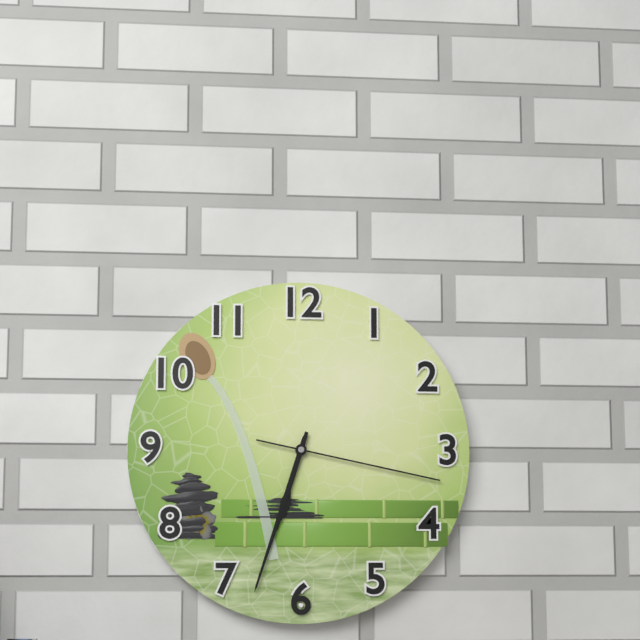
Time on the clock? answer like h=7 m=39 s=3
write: h=6 m=33 s=17
